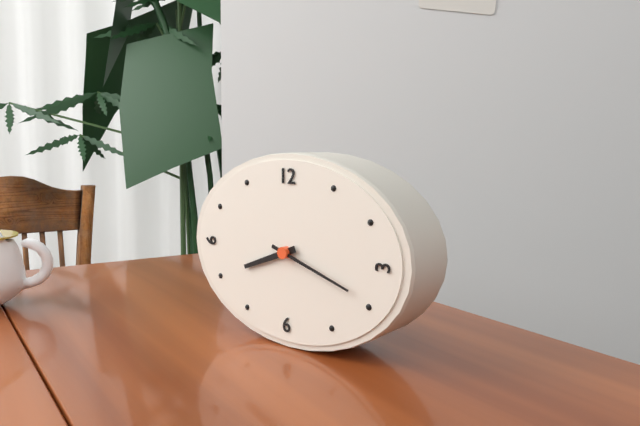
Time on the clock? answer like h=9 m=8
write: h=8 m=18
